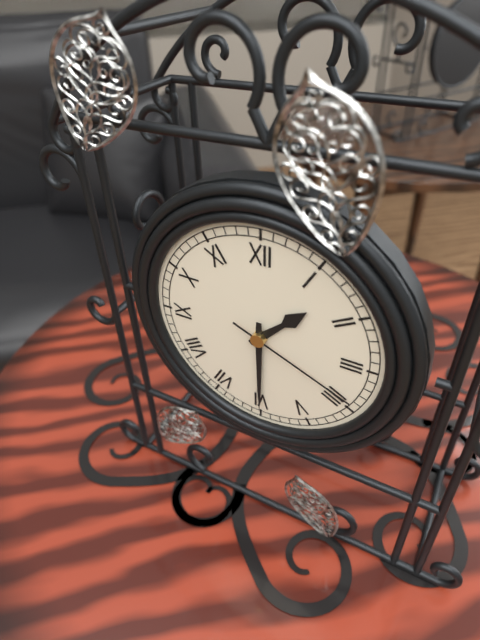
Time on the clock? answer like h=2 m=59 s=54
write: h=1 m=30 s=19
